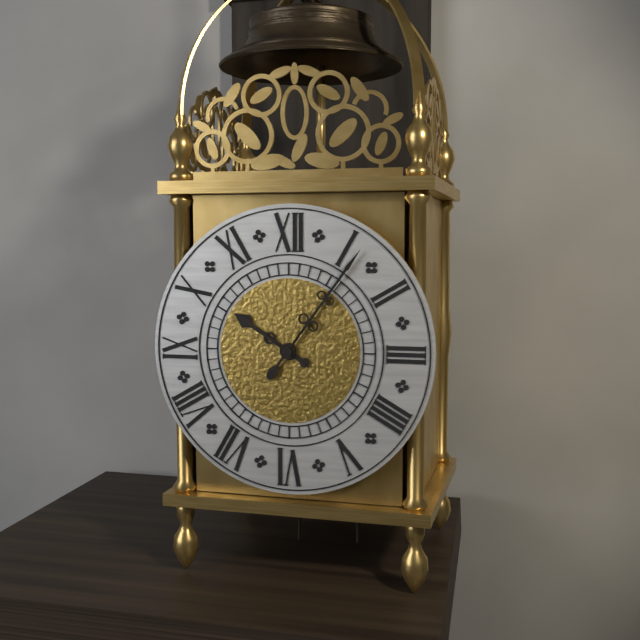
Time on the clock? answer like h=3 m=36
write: h=10 m=6
